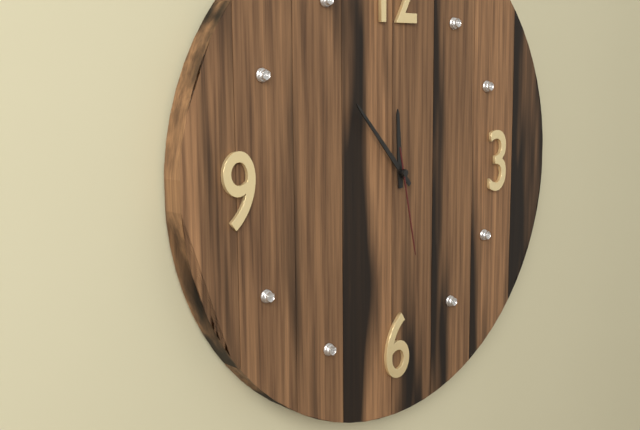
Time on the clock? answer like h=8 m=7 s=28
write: h=11 m=53 s=28
